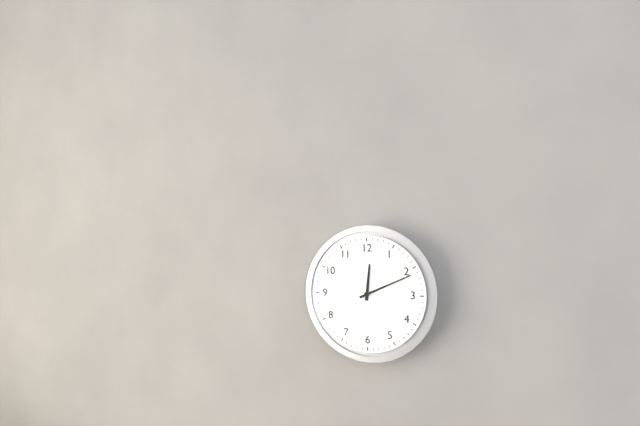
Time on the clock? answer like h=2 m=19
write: h=12 m=11
